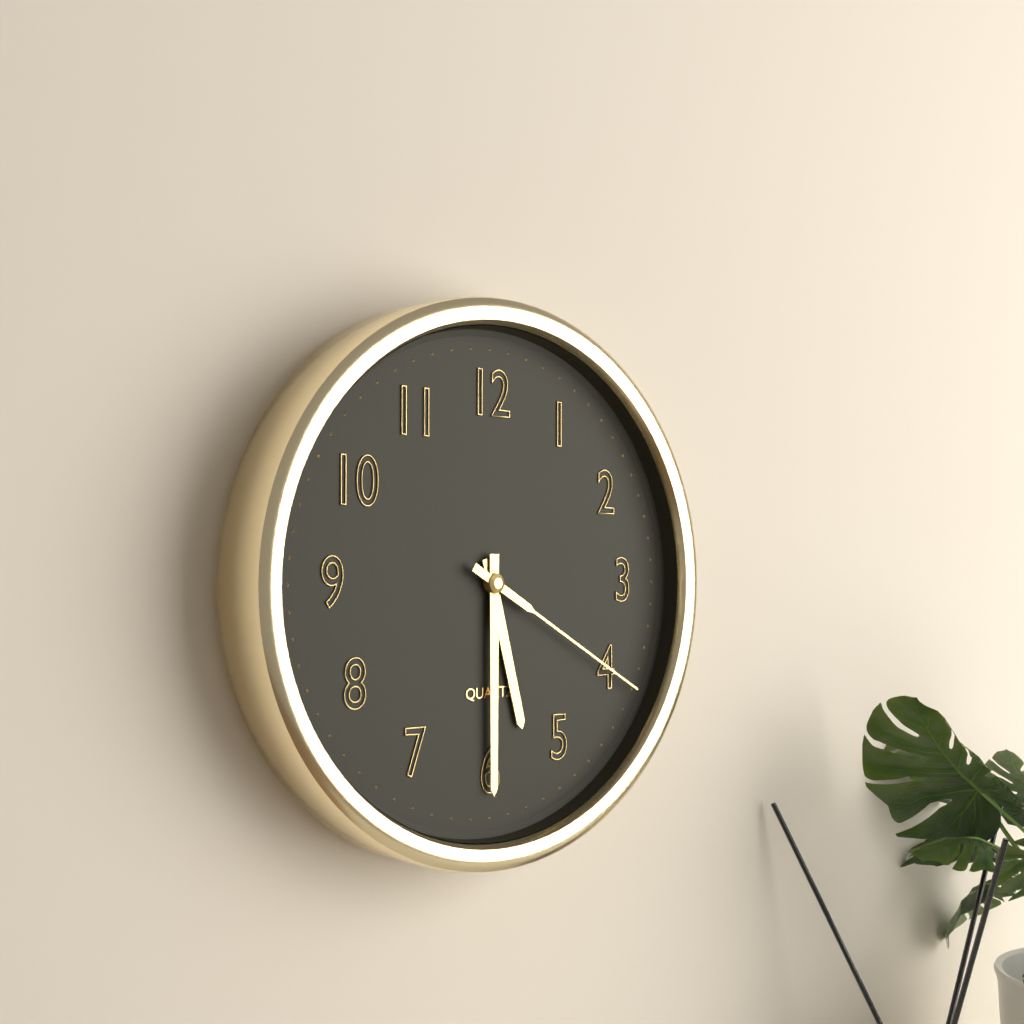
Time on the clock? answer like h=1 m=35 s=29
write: h=5 m=30 s=20
